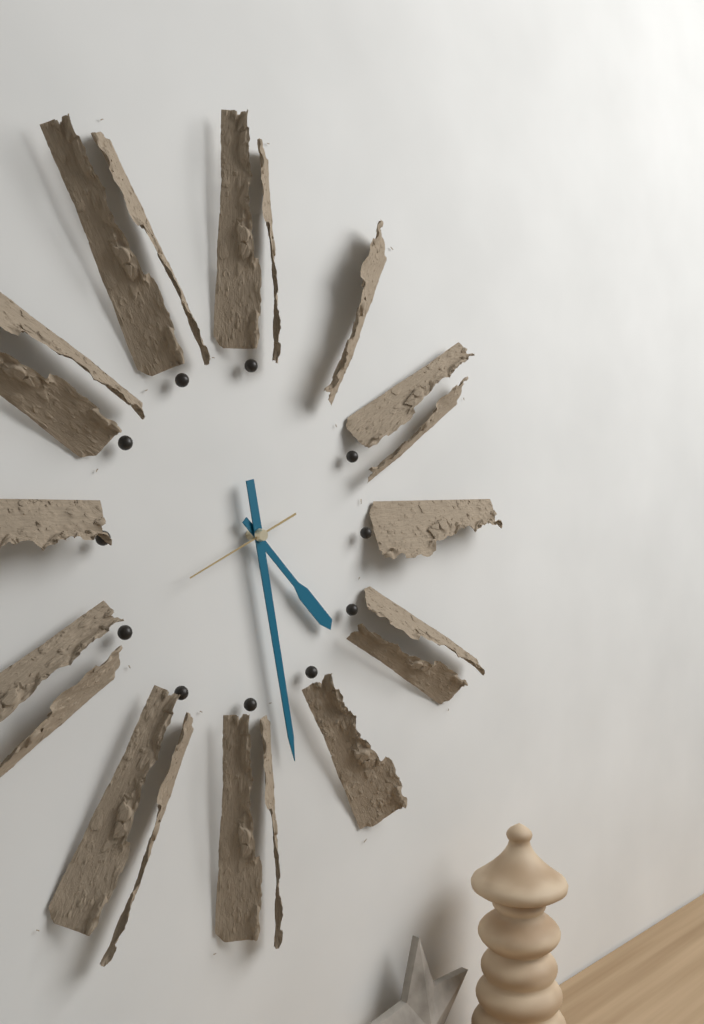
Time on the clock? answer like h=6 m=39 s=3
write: h=4 m=28 s=41
